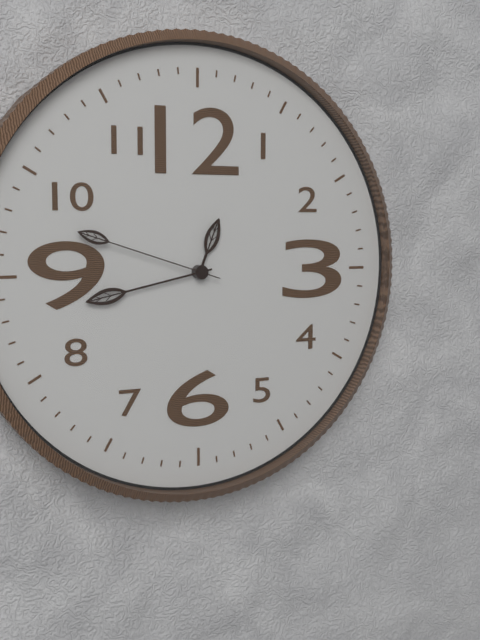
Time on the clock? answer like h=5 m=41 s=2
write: h=12 m=43 s=48
